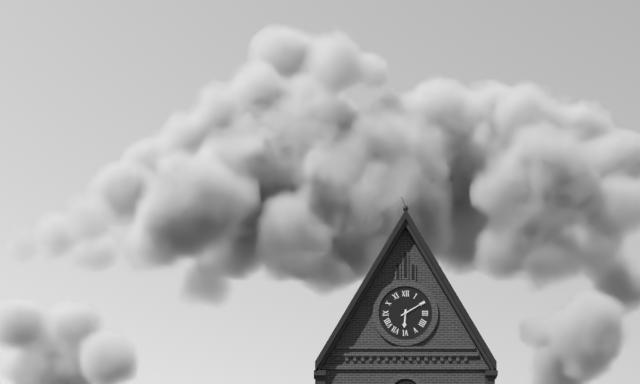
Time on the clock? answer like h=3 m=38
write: h=6 m=10
